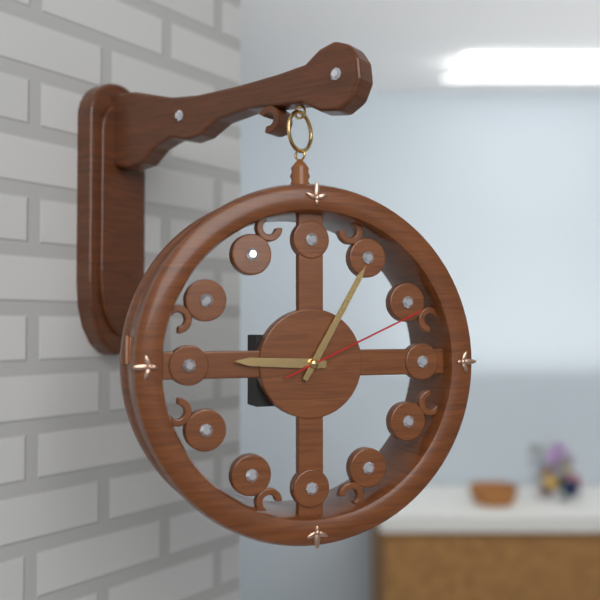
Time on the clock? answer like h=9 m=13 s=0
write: h=9 m=5 s=11
